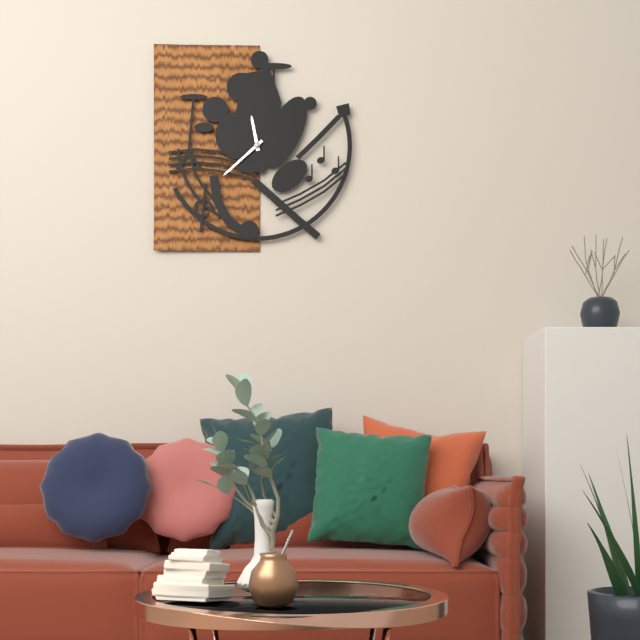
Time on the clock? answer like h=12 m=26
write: h=11 m=38
